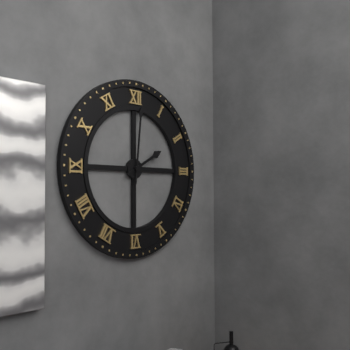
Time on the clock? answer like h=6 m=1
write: h=2 m=1
